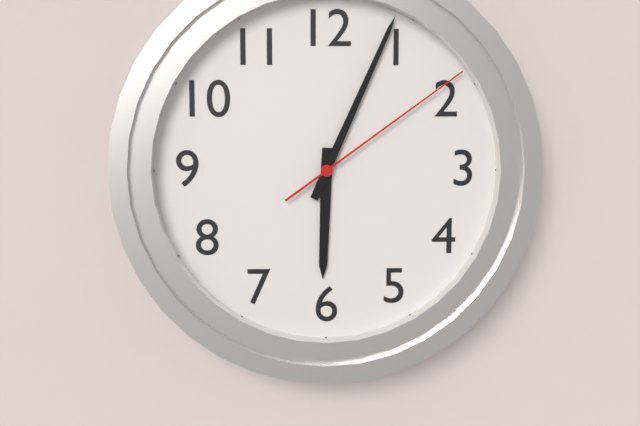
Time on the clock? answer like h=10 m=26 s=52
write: h=6 m=4 s=9
